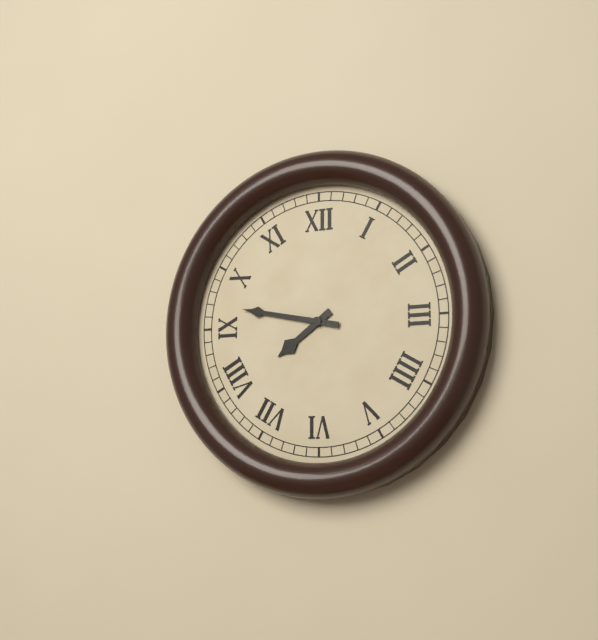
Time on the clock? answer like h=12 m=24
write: h=7 m=47
